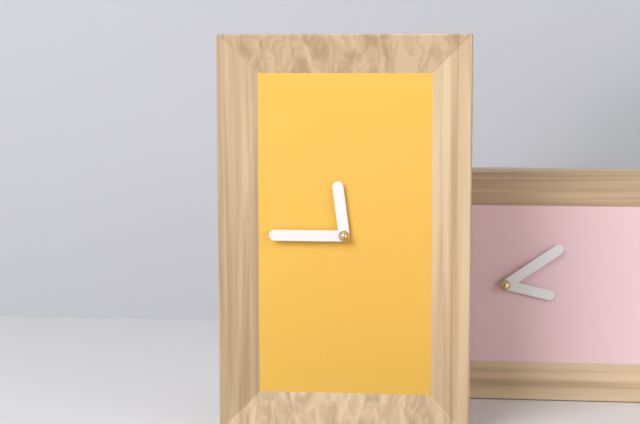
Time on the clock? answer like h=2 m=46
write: h=11 m=45
